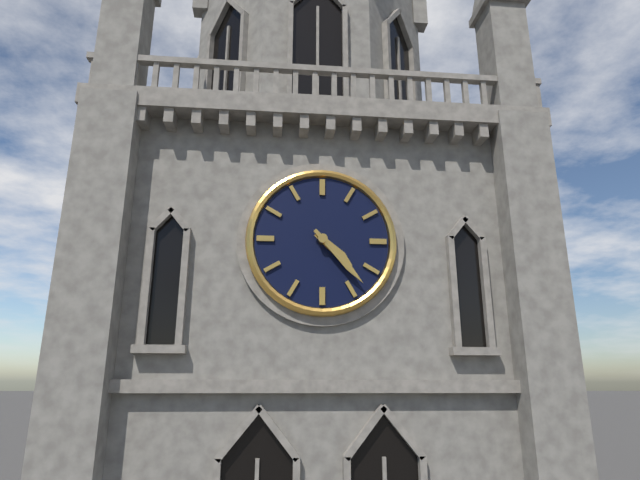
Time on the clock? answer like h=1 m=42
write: h=4 m=23
